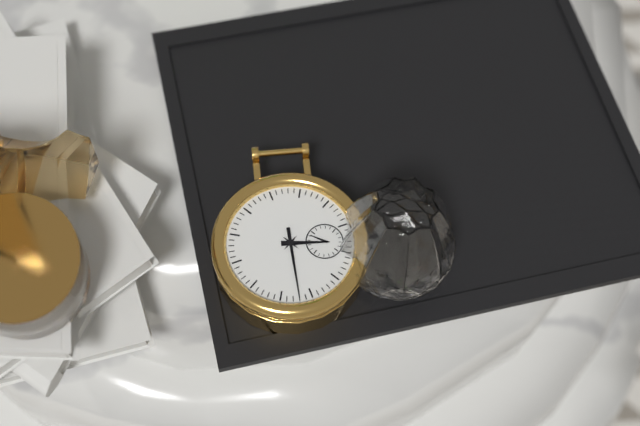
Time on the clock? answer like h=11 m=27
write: h=4 m=37
